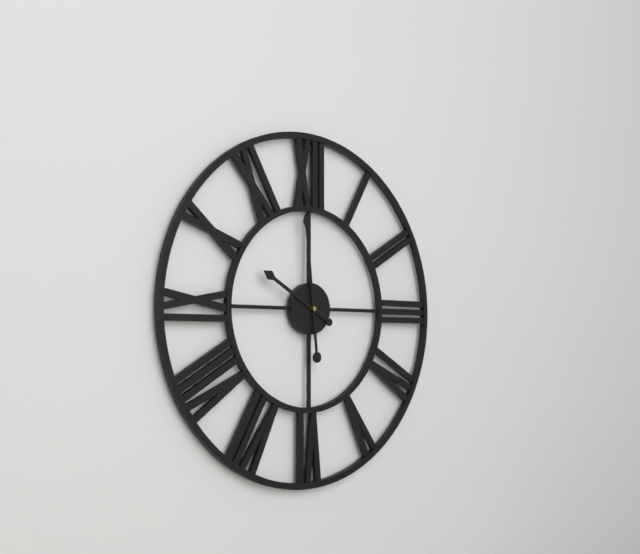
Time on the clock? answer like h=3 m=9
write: h=9 m=59
